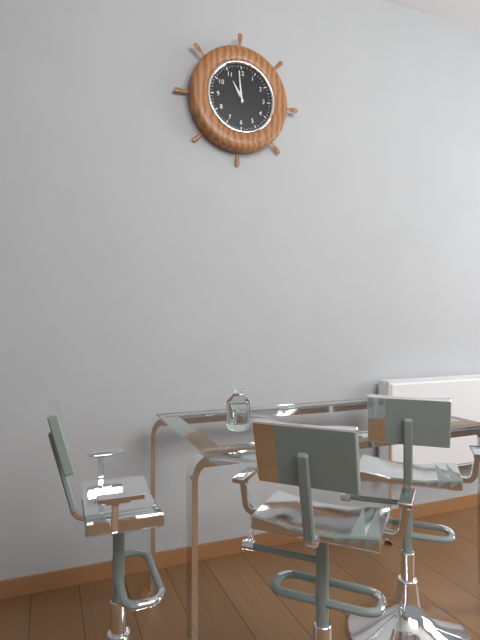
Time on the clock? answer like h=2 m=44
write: h=10 m=59
